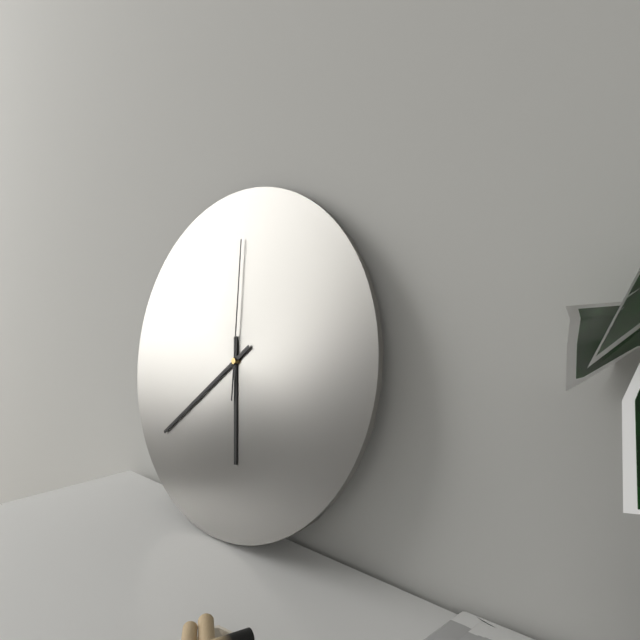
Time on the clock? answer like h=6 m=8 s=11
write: h=5 m=38 s=59
